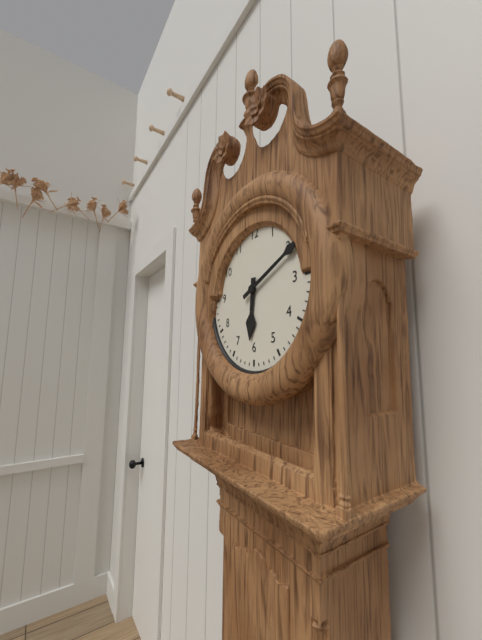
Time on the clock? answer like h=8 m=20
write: h=6 m=11
